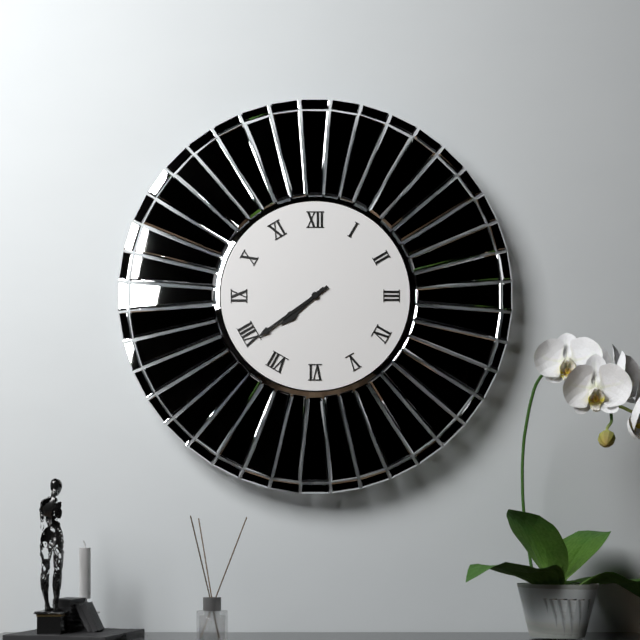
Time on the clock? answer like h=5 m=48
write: h=7 m=39
